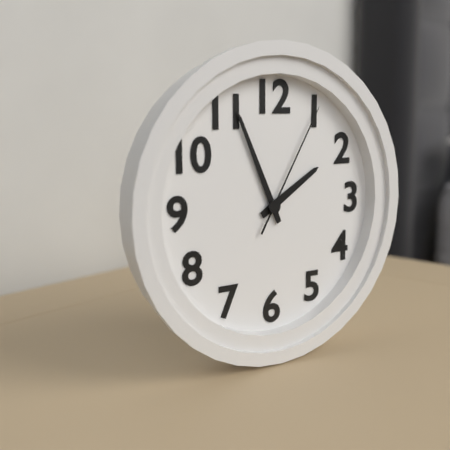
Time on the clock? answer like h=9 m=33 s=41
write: h=1 m=56 s=5
